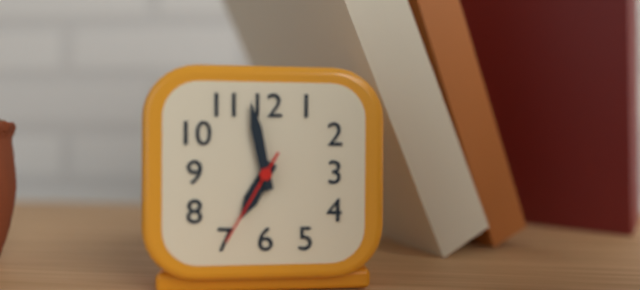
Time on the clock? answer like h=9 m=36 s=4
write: h=6 m=58 s=35
